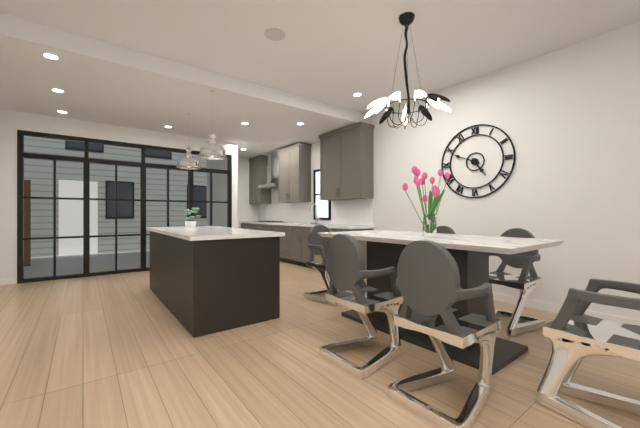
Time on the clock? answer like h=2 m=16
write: h=4 m=49
